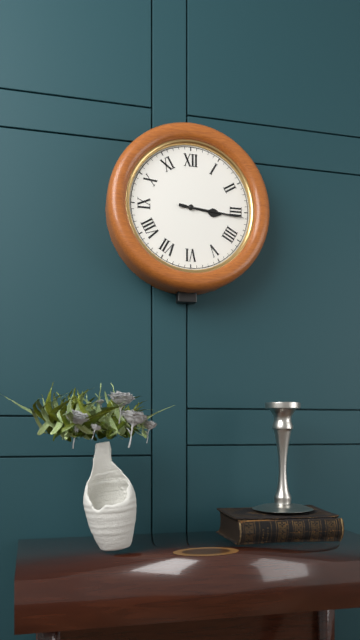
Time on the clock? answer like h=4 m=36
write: h=3 m=16
